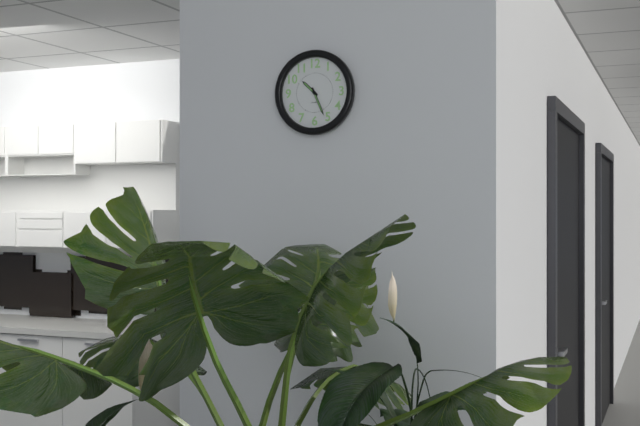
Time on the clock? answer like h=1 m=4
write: h=10 m=26
